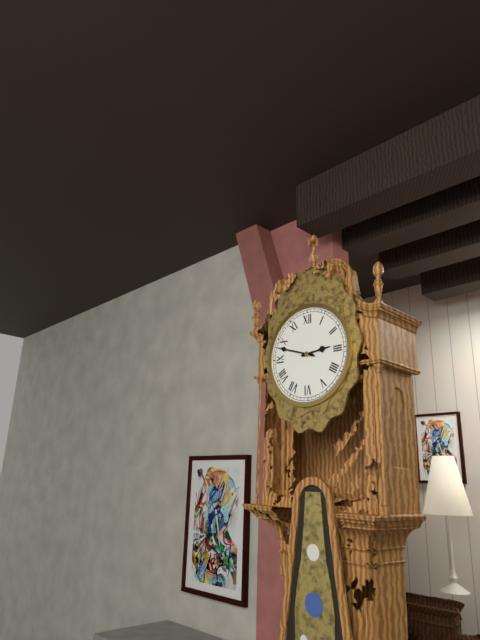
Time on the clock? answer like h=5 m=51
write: h=2 m=48
